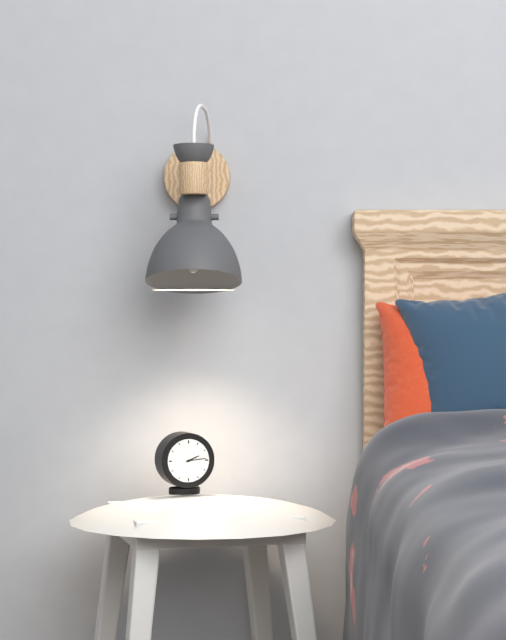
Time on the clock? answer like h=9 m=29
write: h=2 m=14
